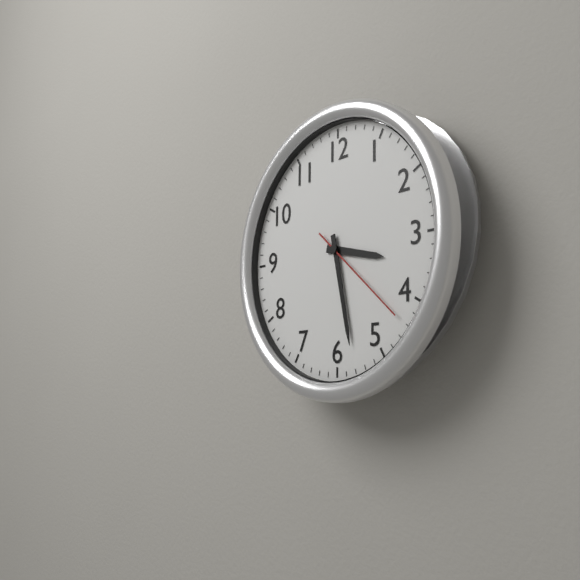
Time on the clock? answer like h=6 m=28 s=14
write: h=3 m=28 s=22
